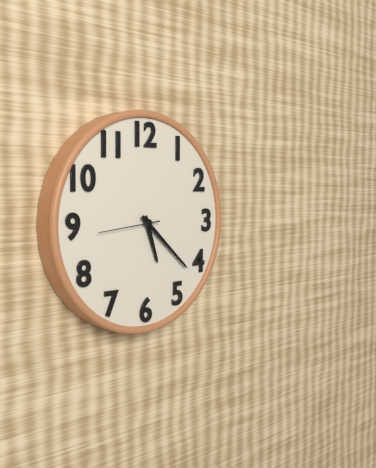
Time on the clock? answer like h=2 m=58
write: h=5 m=22
